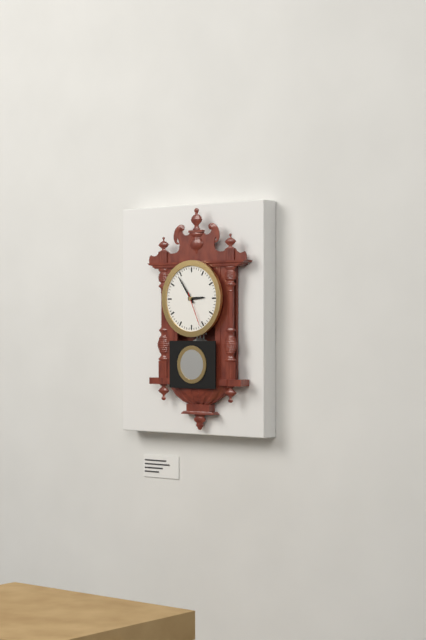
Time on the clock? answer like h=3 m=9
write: h=2 m=54
